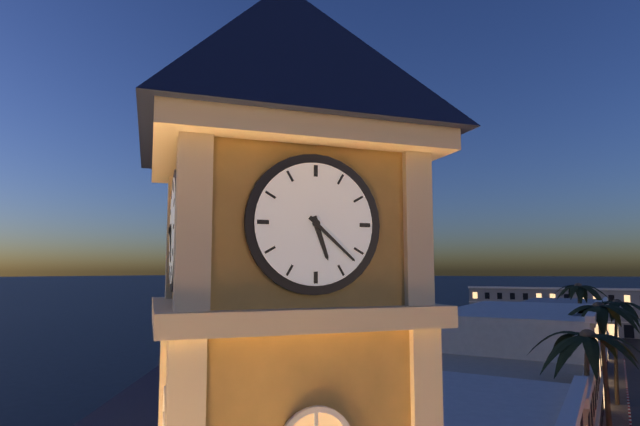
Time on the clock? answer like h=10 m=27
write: h=5 m=22
